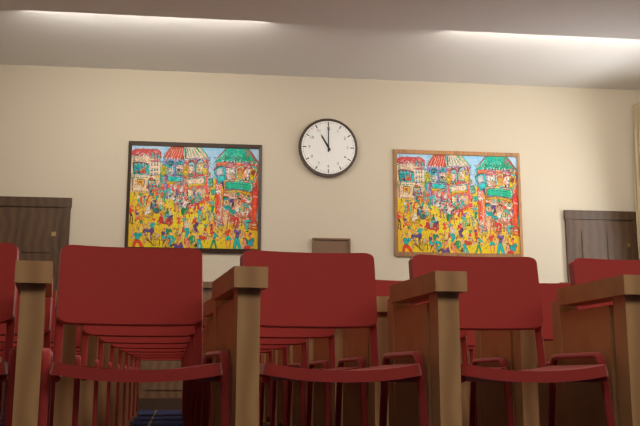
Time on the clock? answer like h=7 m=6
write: h=11 m=0
